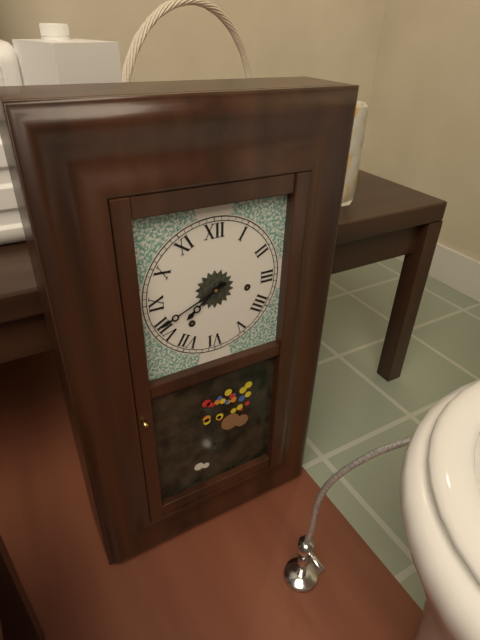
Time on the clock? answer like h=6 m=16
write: h=7 m=41
